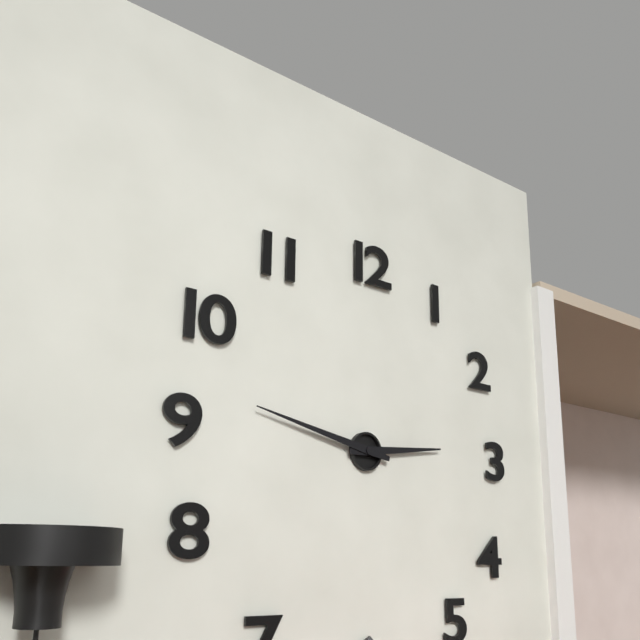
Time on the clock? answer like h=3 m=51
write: h=2 m=47
